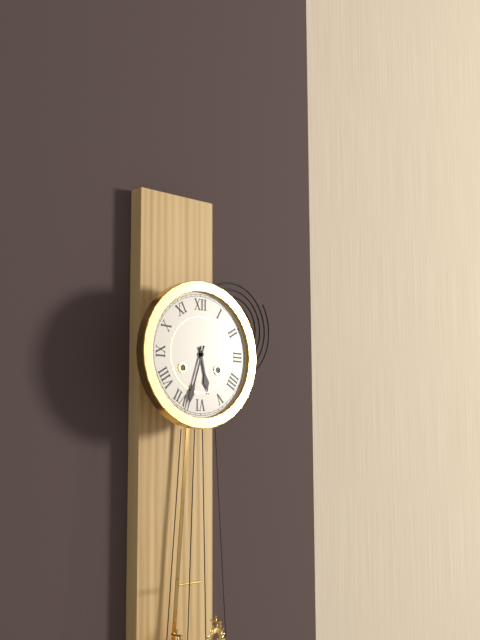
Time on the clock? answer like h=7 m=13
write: h=5 m=33
